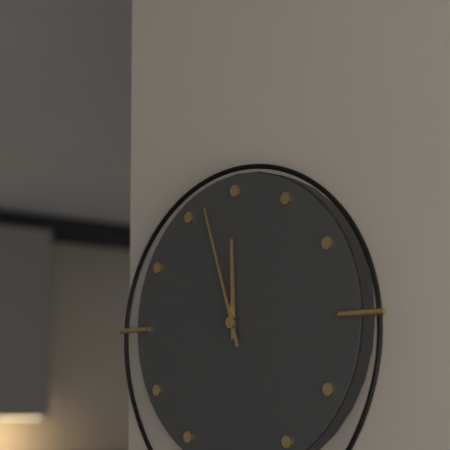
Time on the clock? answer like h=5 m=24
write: h=11 m=57
